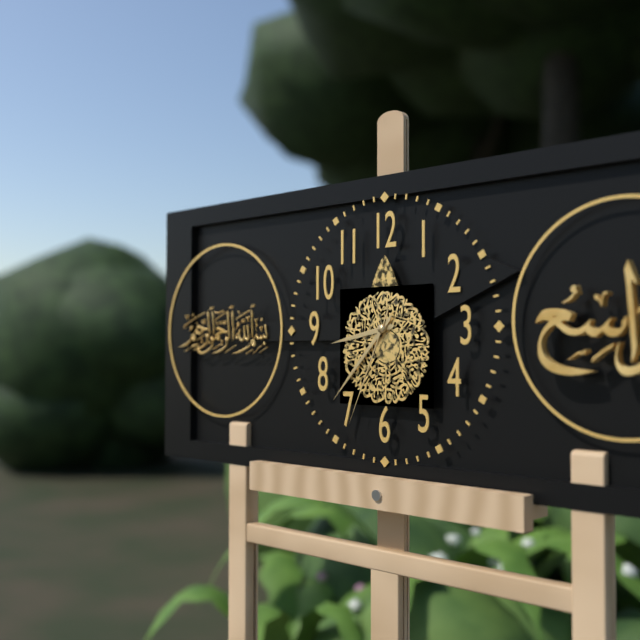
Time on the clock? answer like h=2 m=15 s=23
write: h=8 m=37 s=34
